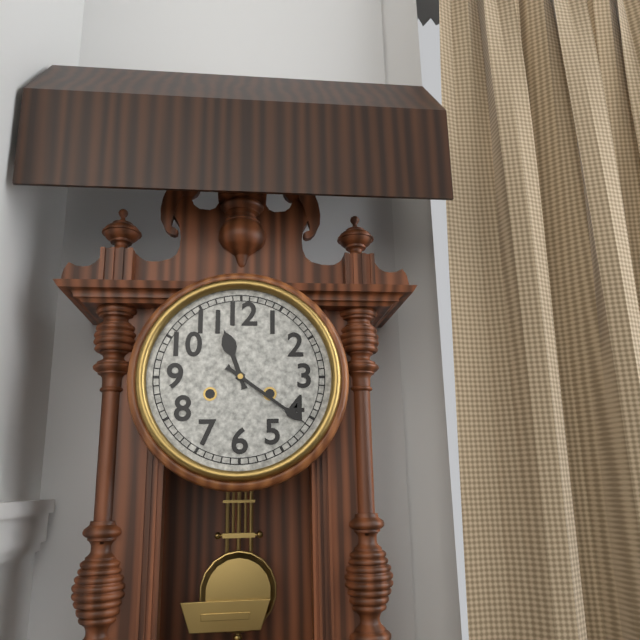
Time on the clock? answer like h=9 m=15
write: h=11 m=21
